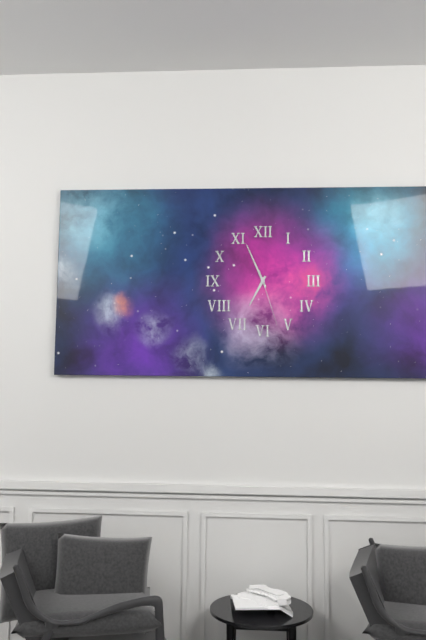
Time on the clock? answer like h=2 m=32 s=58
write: h=6 m=56 s=27
